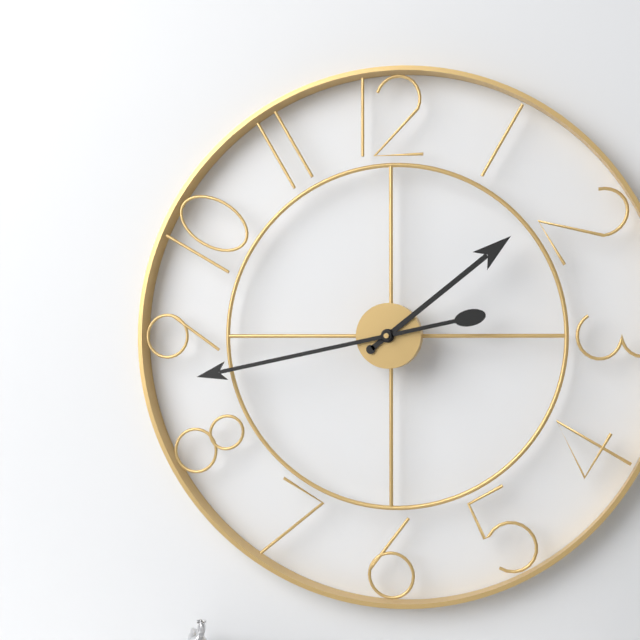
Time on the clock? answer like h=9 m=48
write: h=1 m=43
